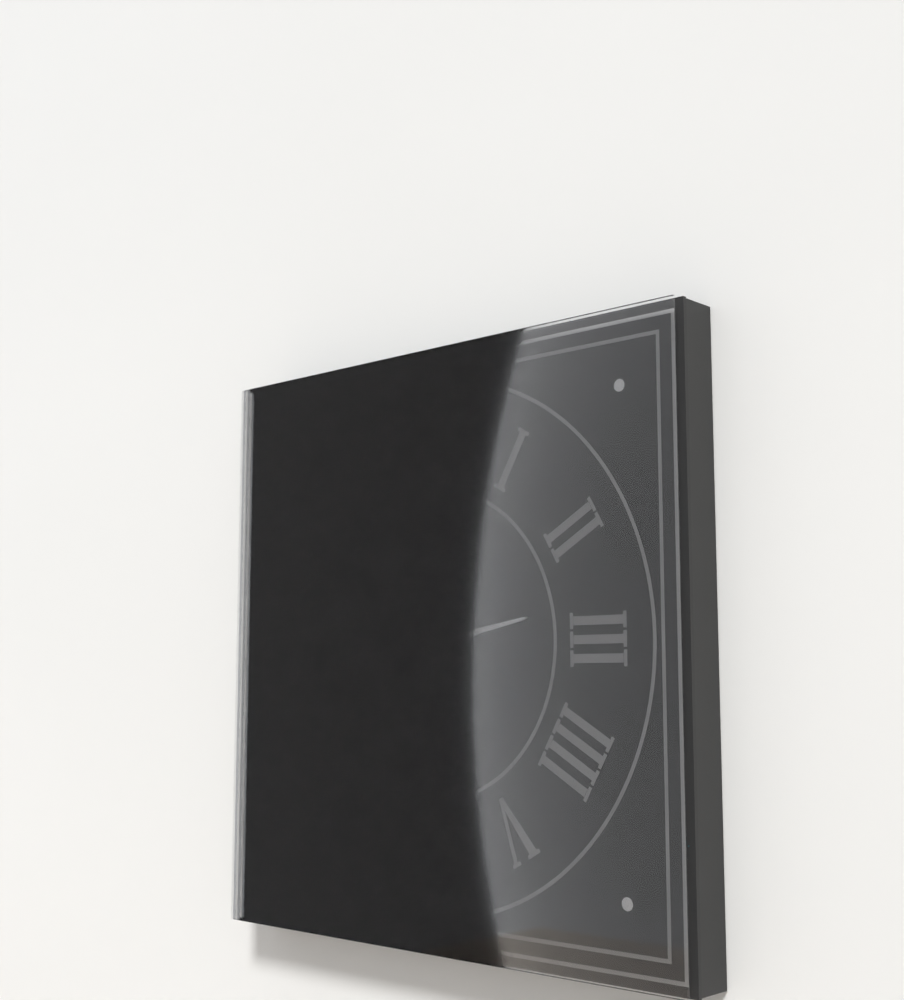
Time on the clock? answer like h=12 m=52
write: h=2 m=40
